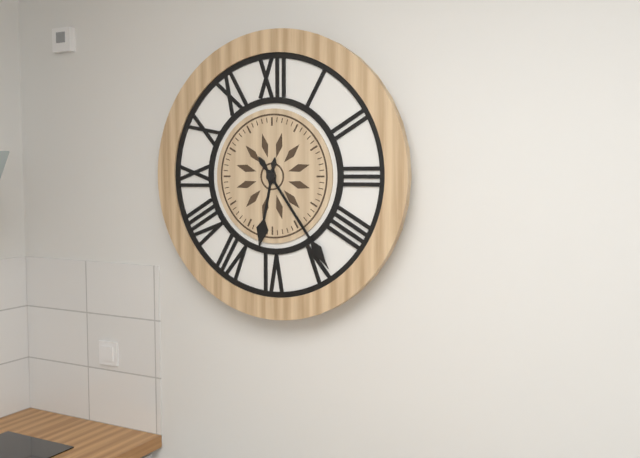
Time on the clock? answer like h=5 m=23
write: h=6 m=24
